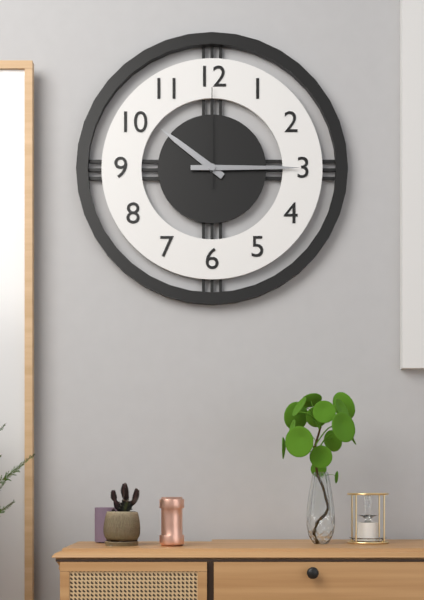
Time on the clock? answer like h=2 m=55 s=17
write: h=10 m=15 s=0
